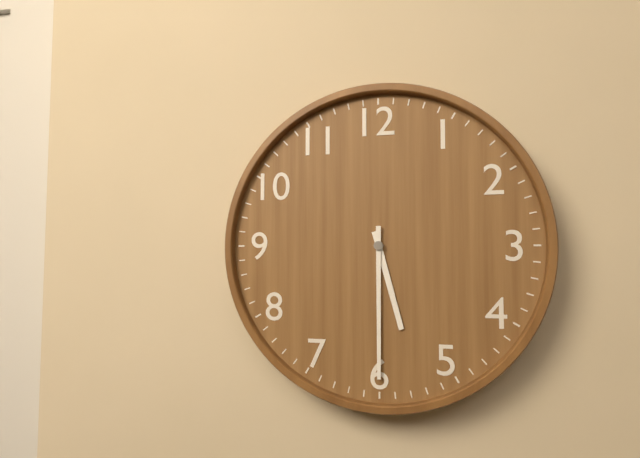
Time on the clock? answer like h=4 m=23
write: h=5 m=30
